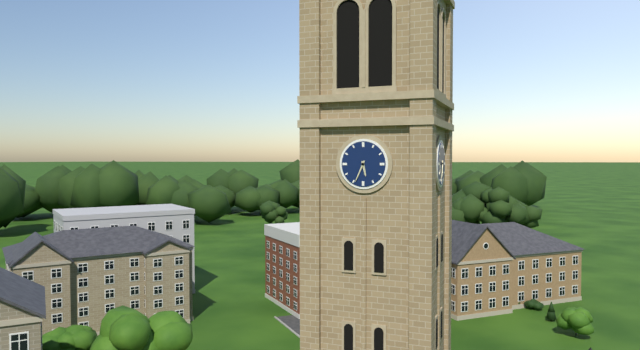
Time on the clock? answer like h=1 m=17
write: h=5 m=34
